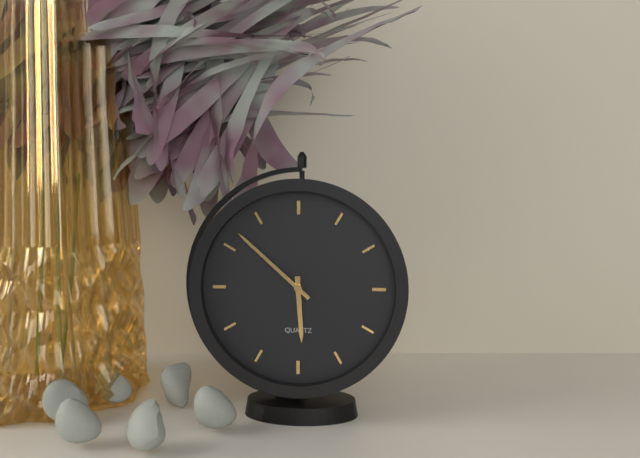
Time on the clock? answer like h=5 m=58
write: h=5 m=52
